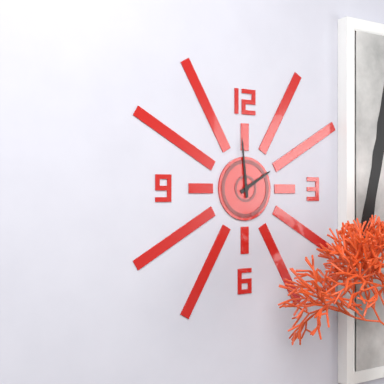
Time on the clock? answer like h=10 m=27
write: h=1 m=59
